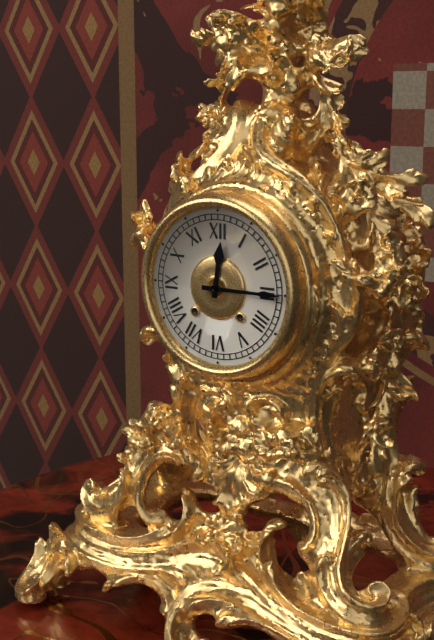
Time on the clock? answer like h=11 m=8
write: h=12 m=15
